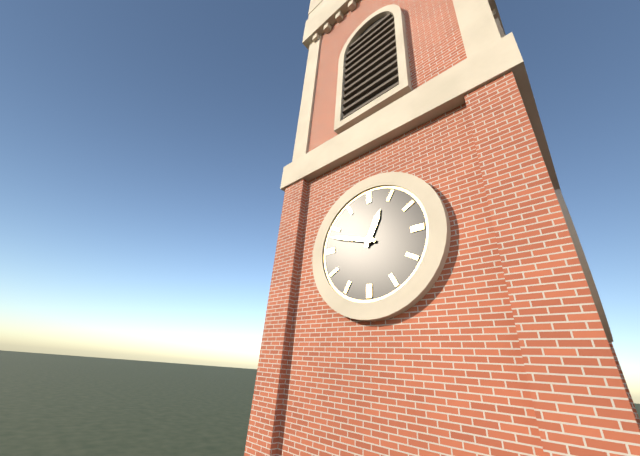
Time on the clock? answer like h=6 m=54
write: h=12 m=48
